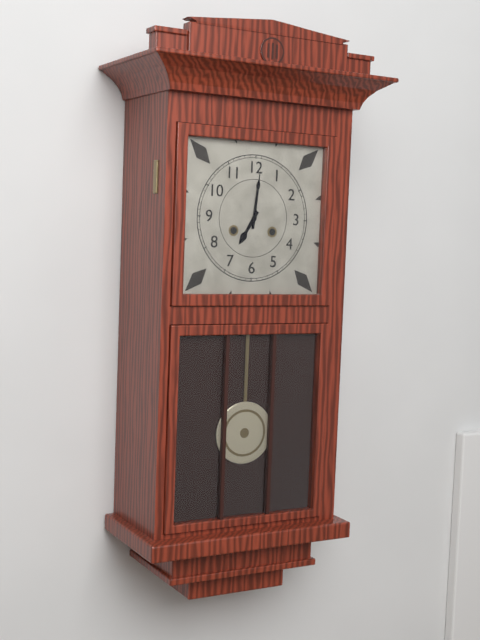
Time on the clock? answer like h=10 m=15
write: h=7 m=1
